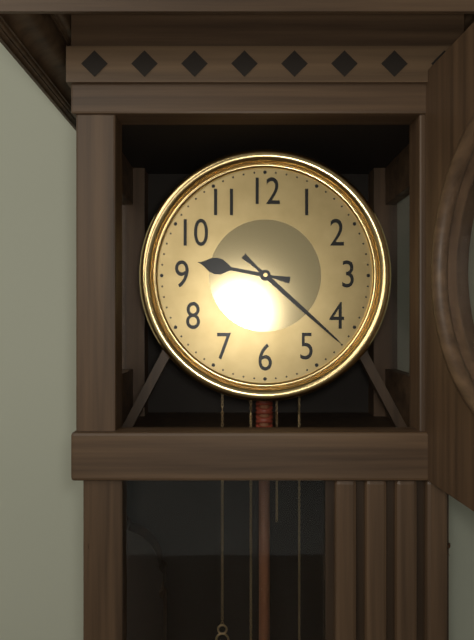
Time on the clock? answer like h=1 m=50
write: h=9 m=22
